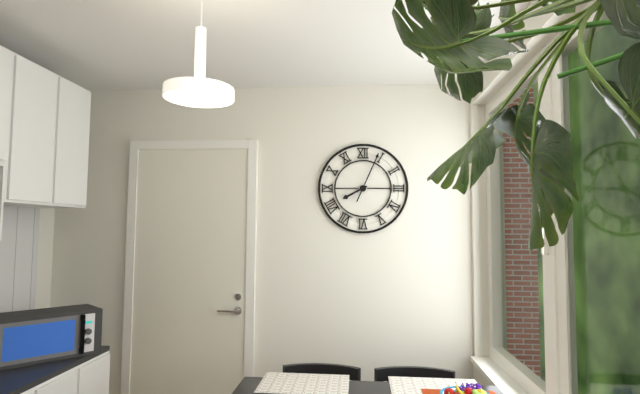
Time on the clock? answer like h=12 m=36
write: h=8 m=4
